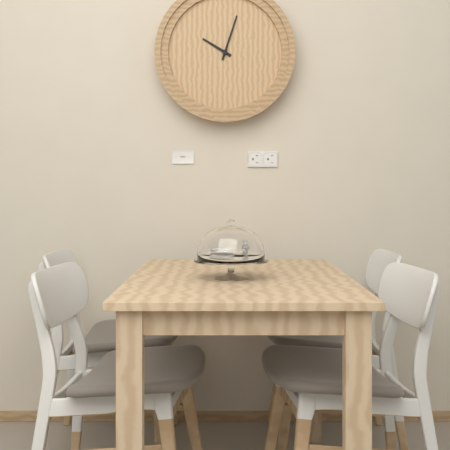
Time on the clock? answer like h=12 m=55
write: h=10 m=3
